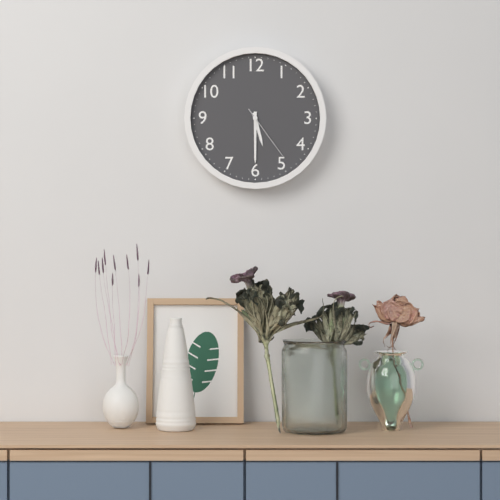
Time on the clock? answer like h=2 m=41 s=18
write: h=5 m=30 s=24
